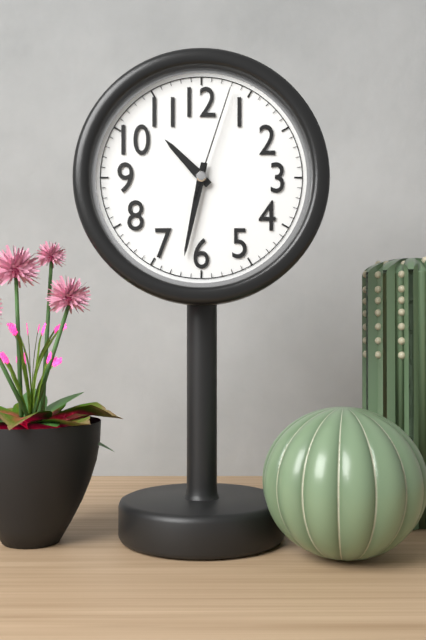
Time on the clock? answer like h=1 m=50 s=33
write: h=10 m=32 s=3
